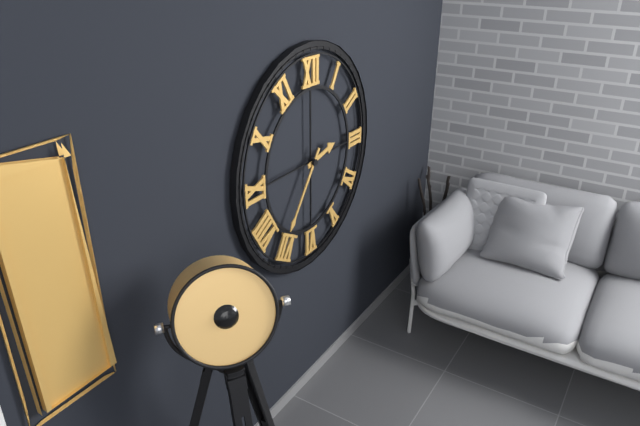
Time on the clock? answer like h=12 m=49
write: h=2 m=36
